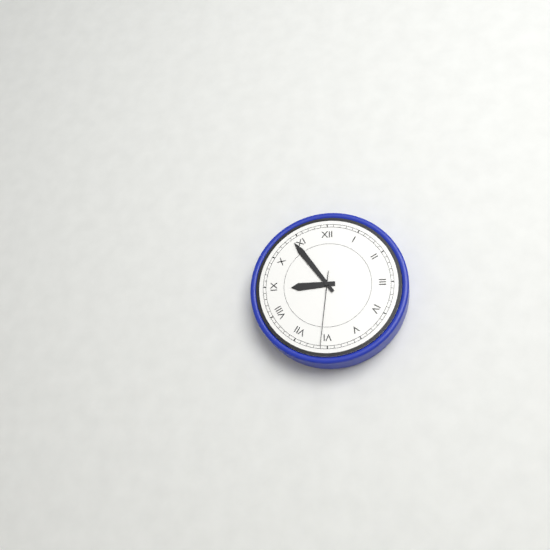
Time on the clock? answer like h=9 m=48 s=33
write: h=8 m=54 s=31
